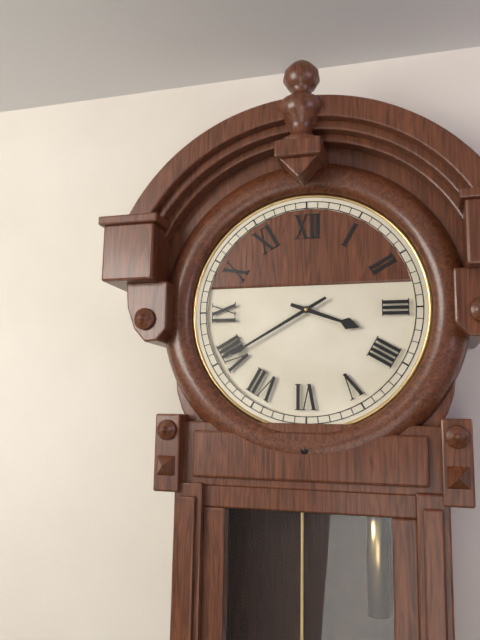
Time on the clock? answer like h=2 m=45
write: h=3 m=40
